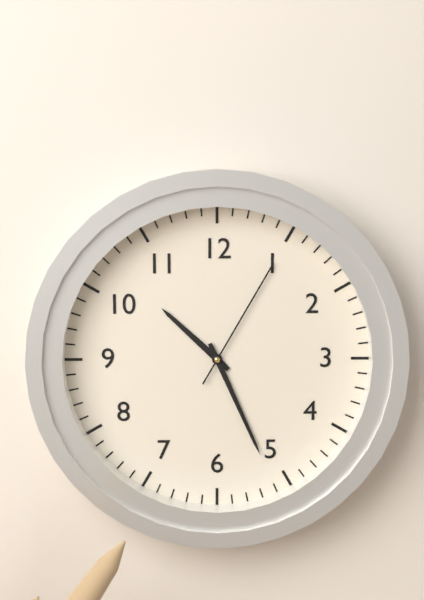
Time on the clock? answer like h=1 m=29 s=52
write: h=10 m=26 s=5
